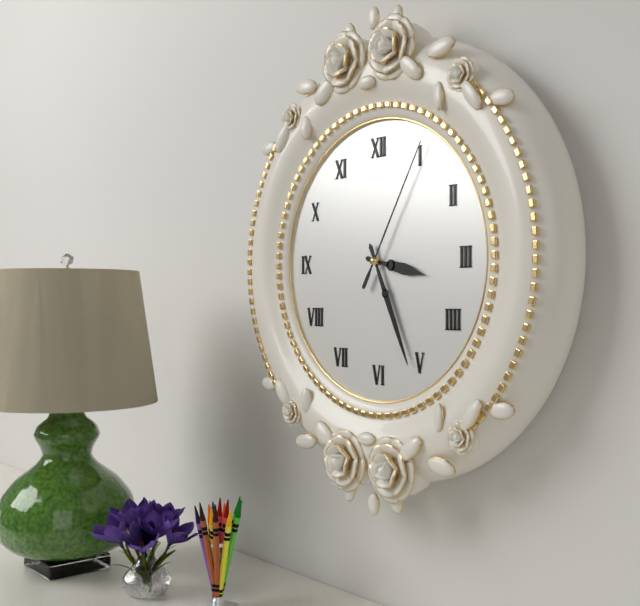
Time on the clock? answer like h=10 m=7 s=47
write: h=3 m=26 s=5
